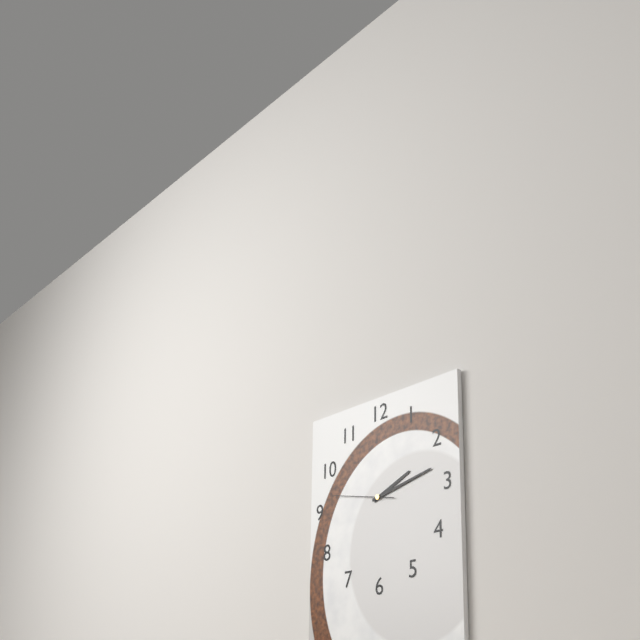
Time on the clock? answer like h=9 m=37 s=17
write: h=2 m=13 s=47
